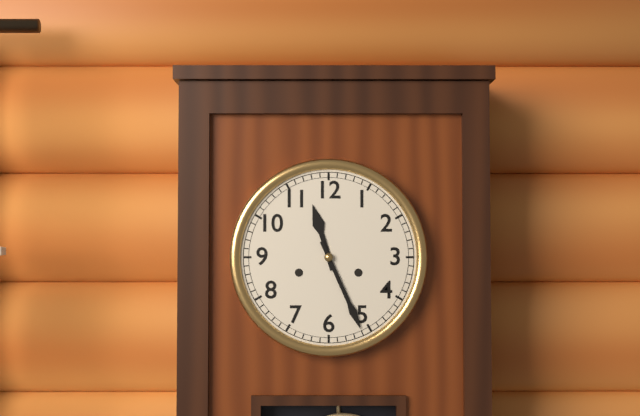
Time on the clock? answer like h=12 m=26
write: h=11 m=26
